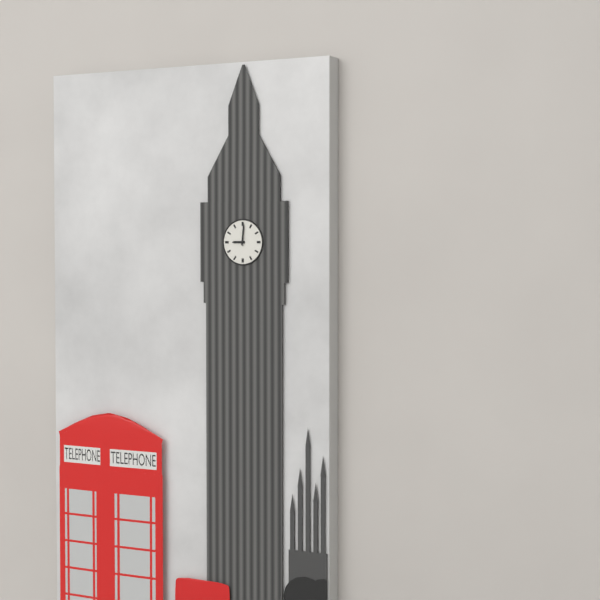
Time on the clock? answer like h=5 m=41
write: h=9 m=1
